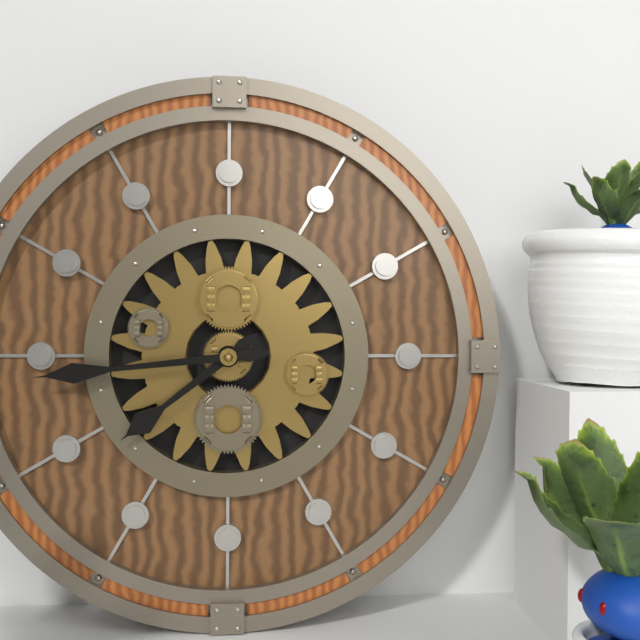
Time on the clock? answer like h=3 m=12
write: h=7 m=44
